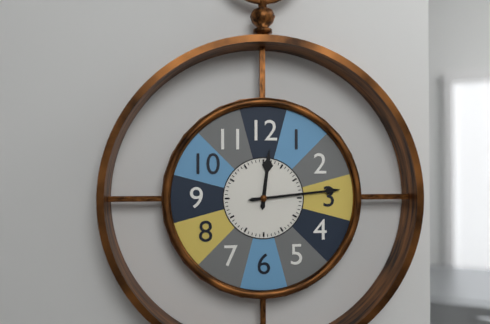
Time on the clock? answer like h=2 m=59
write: h=12 m=14
